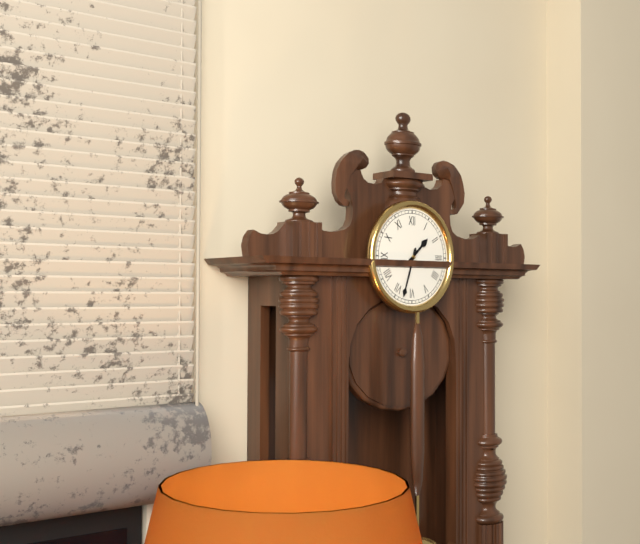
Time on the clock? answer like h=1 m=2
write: h=1 m=33
